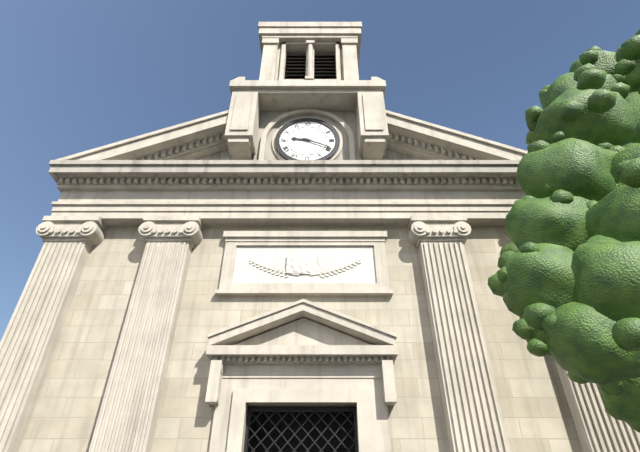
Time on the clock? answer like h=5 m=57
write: h=9 m=19
